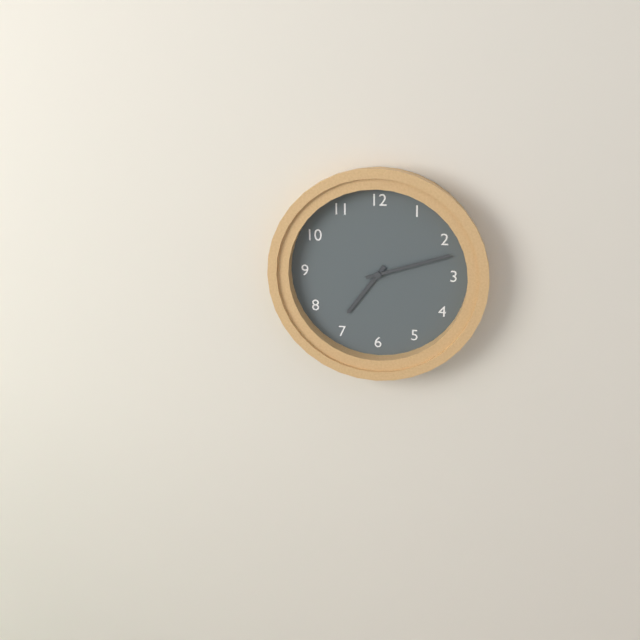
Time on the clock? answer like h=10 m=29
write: h=7 m=12
